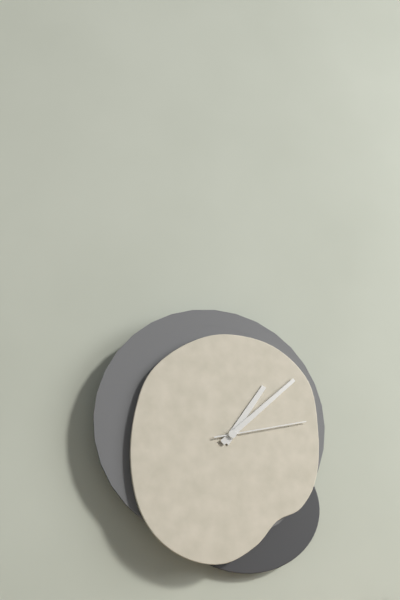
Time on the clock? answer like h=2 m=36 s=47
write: h=1 m=8 s=13
